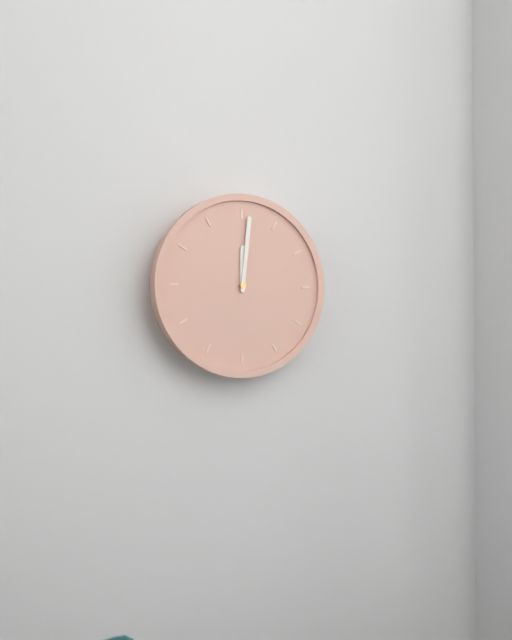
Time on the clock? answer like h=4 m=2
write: h=12 m=1
